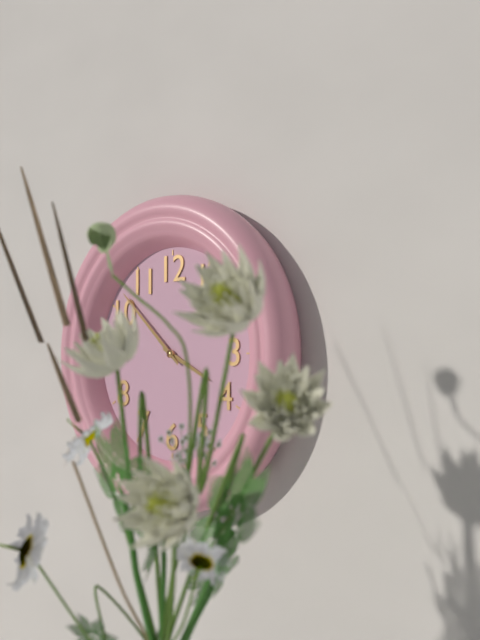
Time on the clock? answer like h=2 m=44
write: h=3 m=52
